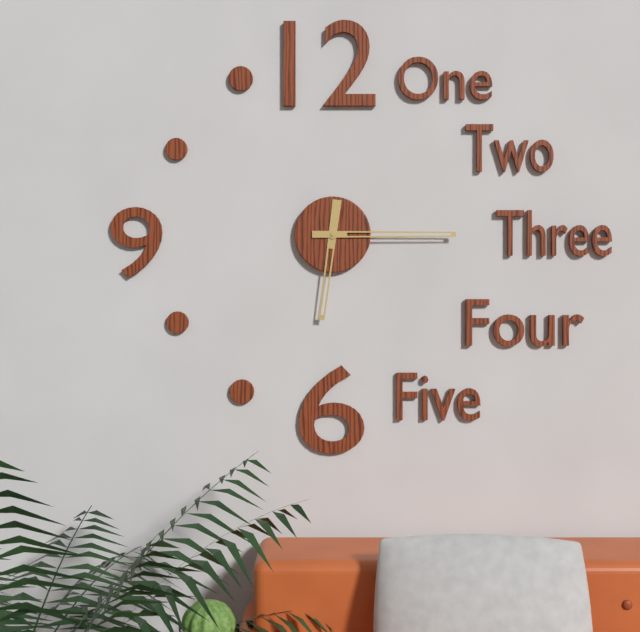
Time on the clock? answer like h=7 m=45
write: h=6 m=15
